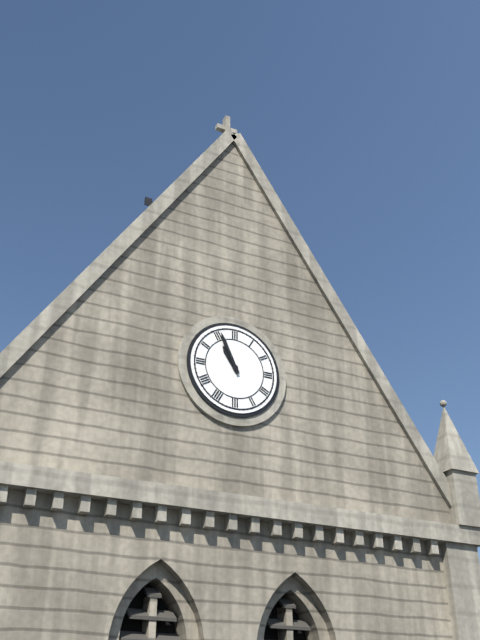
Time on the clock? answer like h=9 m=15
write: h=10 m=56
